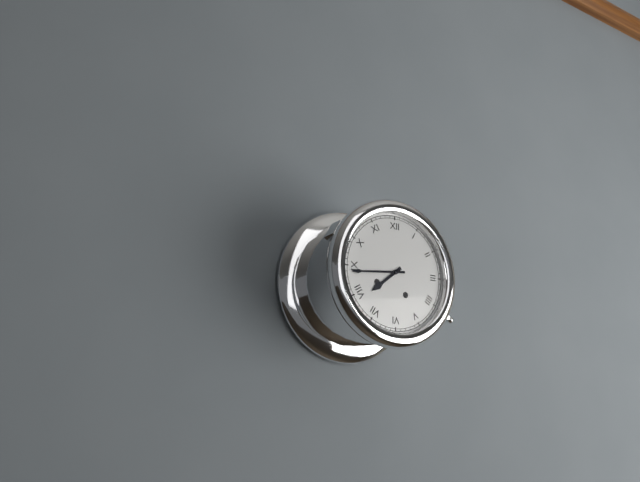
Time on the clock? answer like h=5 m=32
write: h=7 m=44
